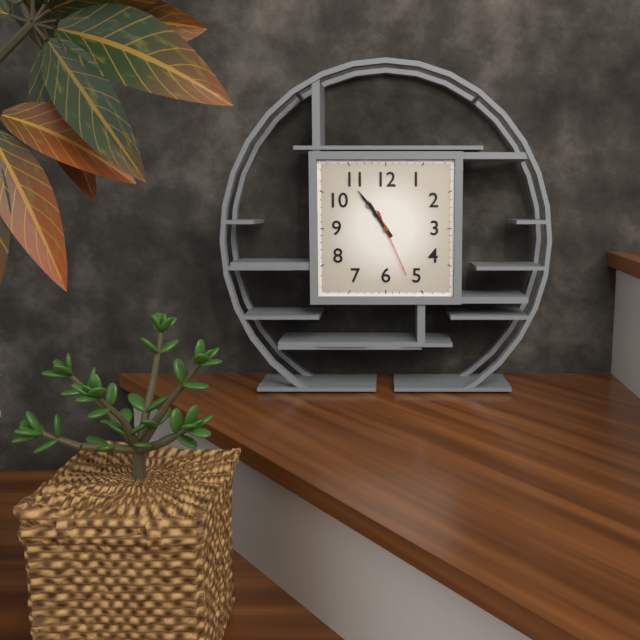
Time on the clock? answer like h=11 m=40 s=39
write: h=10 m=54 s=26
